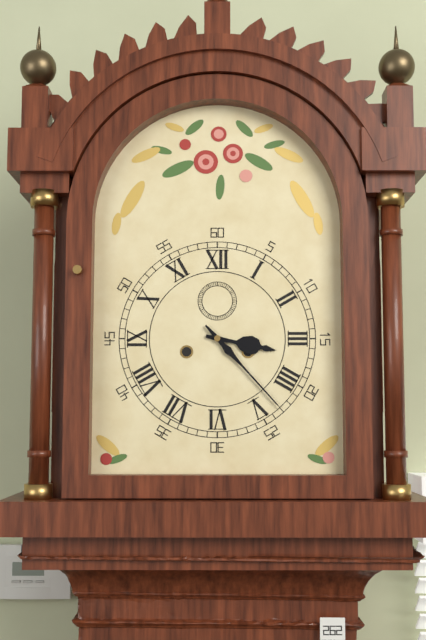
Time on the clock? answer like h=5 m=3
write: h=3 m=23
